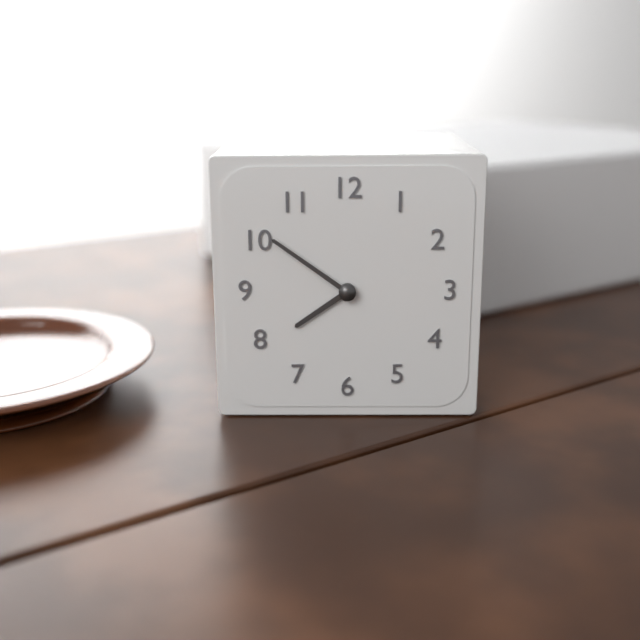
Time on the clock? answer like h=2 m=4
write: h=7 m=51
